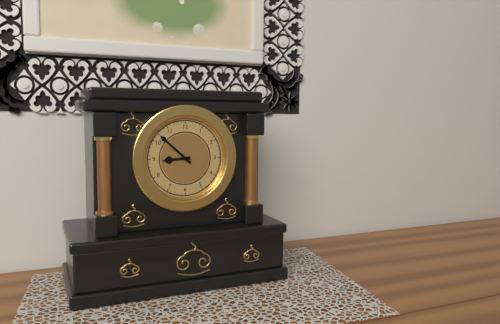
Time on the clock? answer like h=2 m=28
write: h=8 m=52
